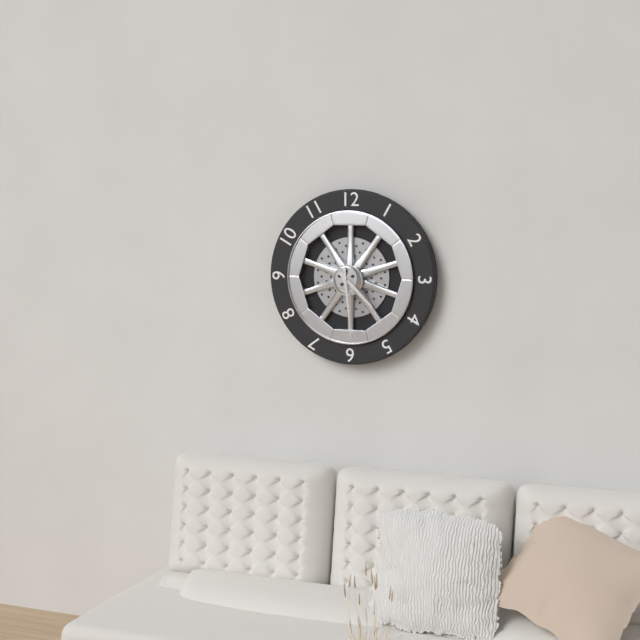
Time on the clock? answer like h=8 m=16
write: h=4 m=29
